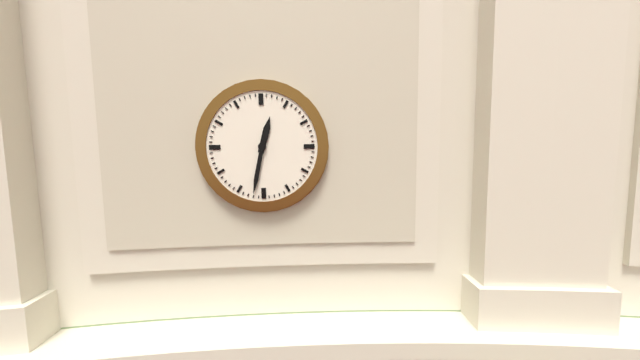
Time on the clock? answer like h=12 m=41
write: h=12 m=32
